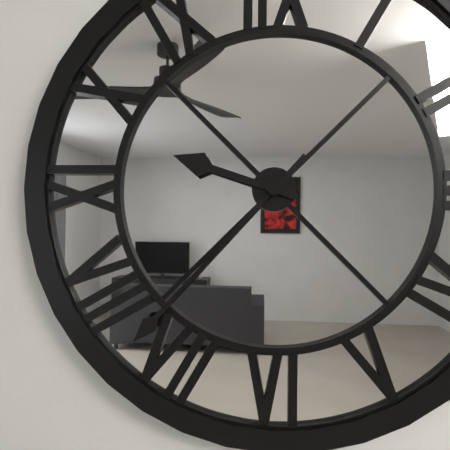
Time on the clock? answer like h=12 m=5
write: h=9 m=37
